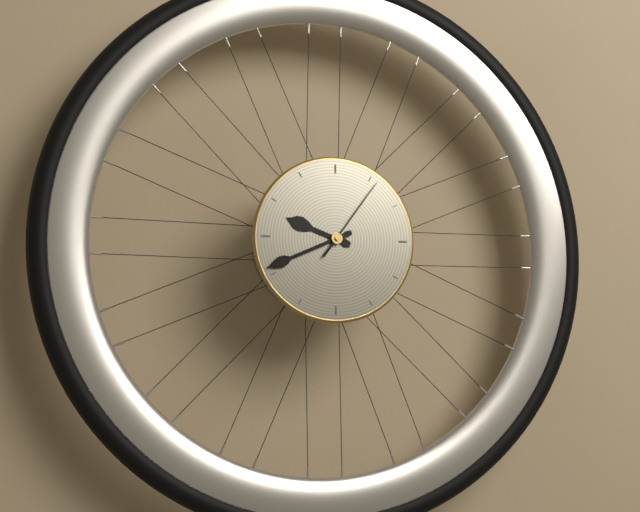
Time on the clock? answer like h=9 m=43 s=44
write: h=9 m=41 s=6
